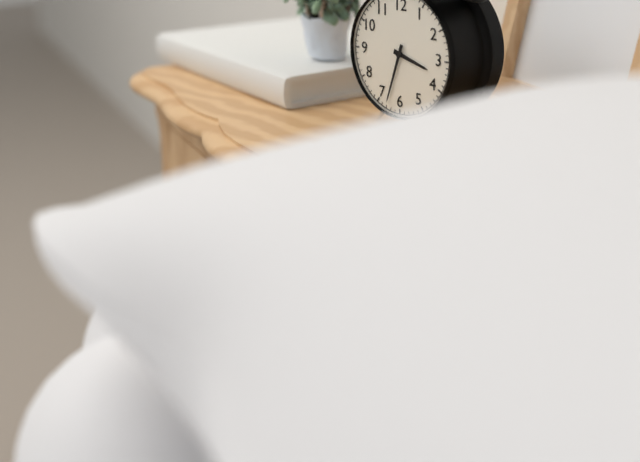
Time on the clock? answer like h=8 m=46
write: h=3 m=33
